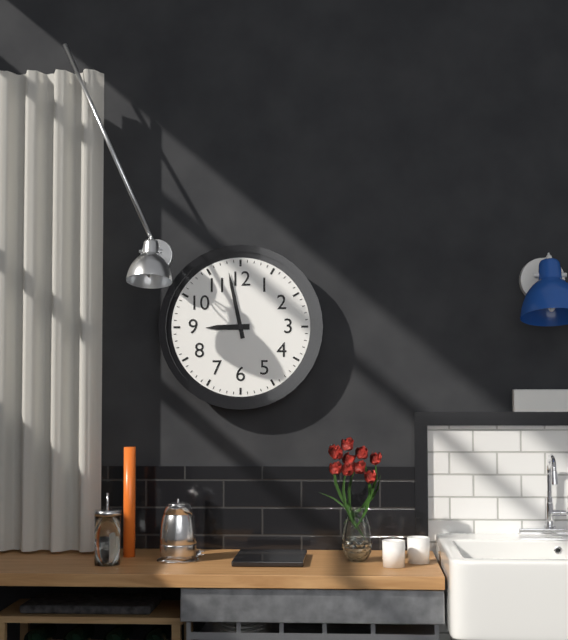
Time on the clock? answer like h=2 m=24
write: h=8 m=58
